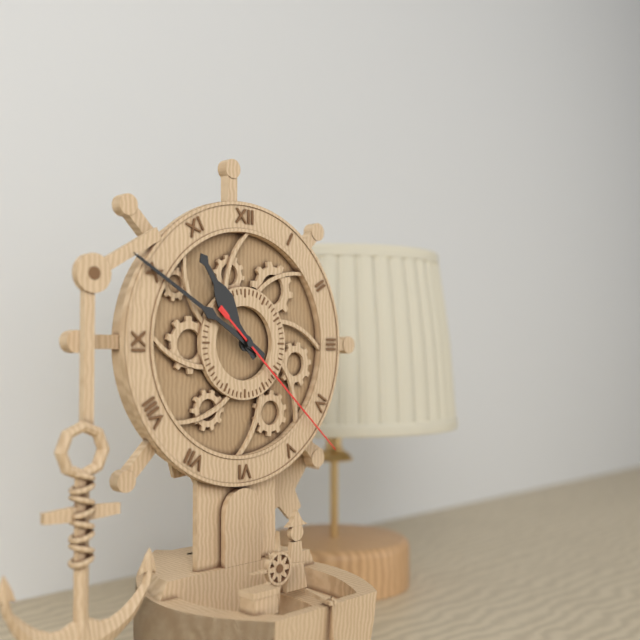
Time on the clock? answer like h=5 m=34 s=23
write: h=10 m=50 s=22
